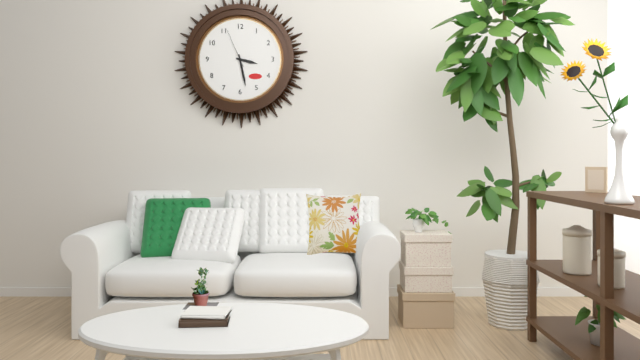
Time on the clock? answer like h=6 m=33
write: h=3 m=28
